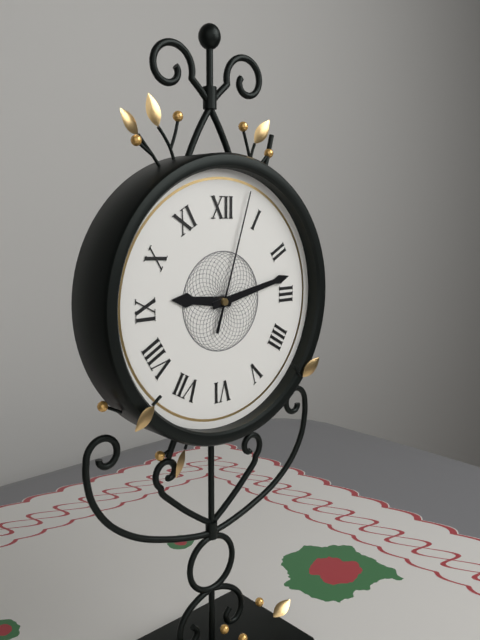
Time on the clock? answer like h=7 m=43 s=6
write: h=9 m=13 s=3
